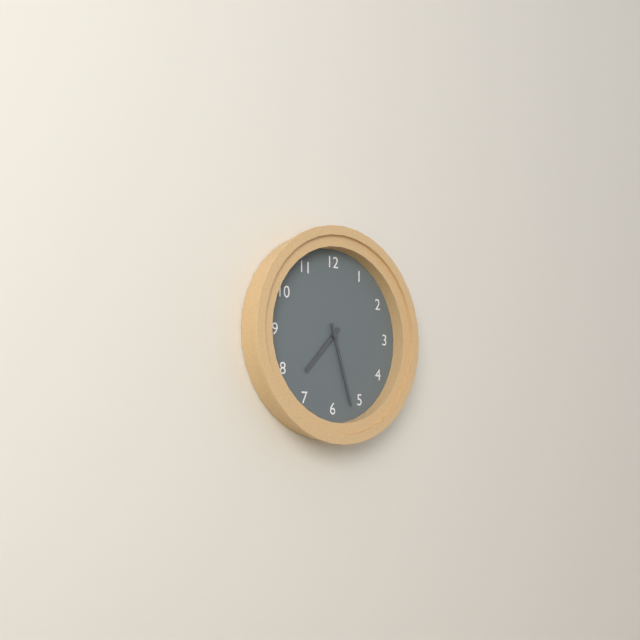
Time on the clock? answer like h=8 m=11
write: h=7 m=27
